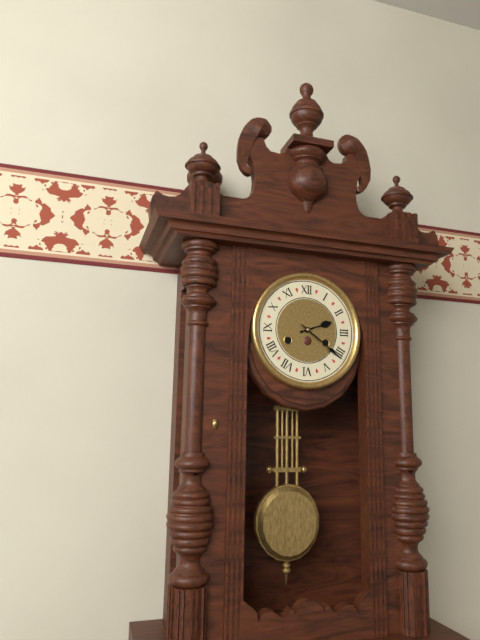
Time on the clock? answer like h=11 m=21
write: h=2 m=21
